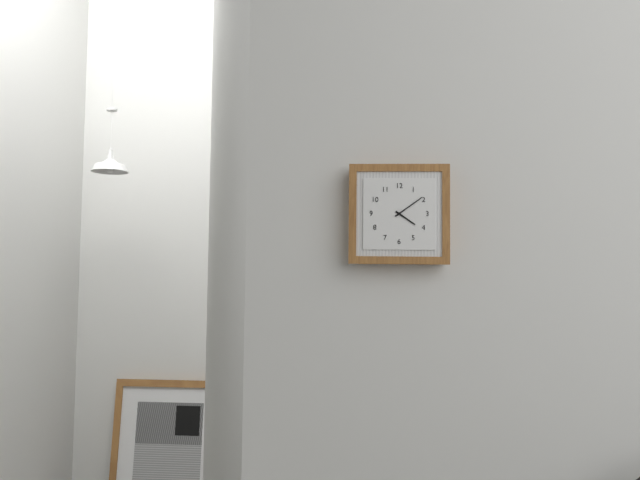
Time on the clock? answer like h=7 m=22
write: h=4 m=9
